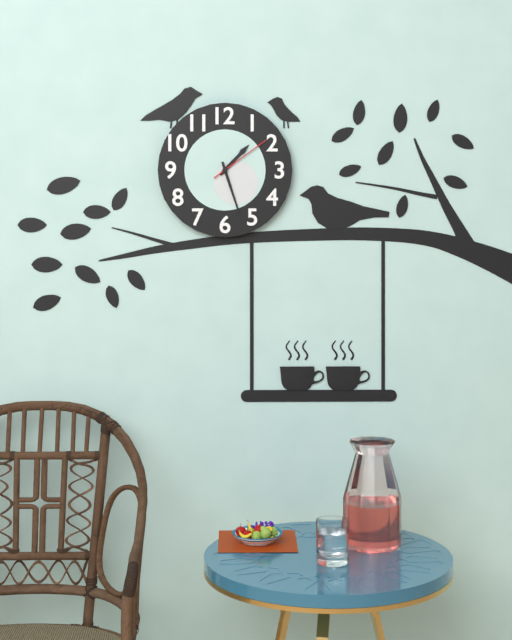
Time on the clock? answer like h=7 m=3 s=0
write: h=1 m=27 s=9
